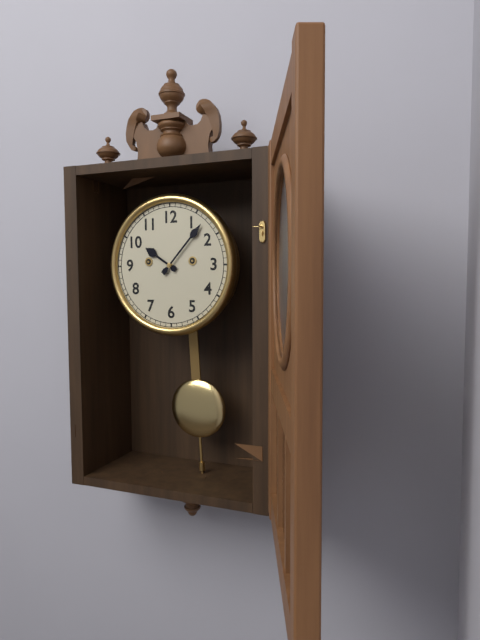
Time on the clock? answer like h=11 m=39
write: h=10 m=7
